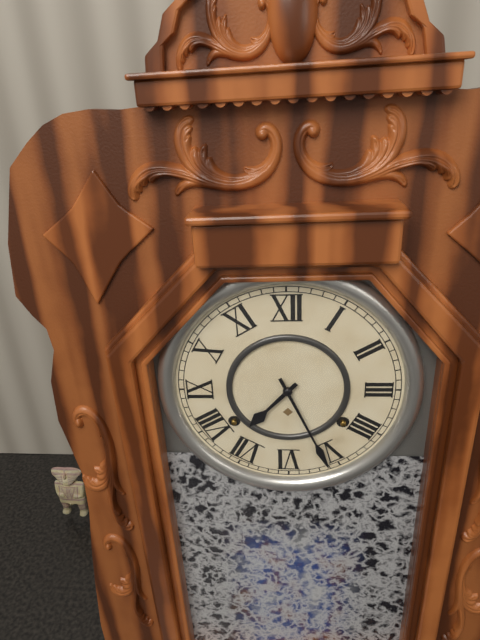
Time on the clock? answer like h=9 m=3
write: h=7 m=26
